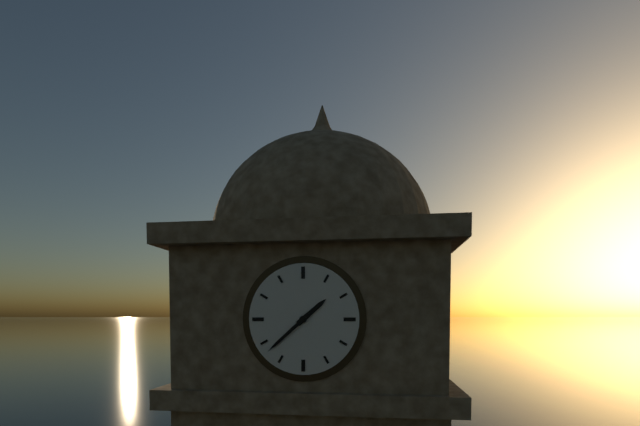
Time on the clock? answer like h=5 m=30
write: h=1 m=38
